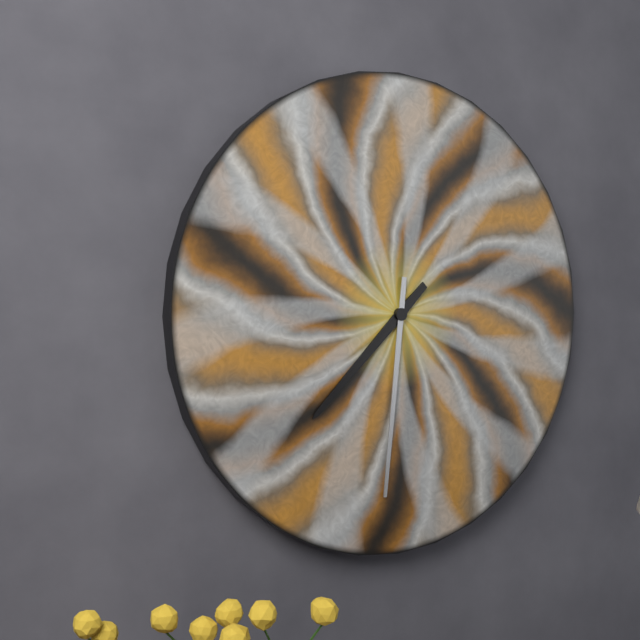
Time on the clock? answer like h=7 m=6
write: h=7 m=31
